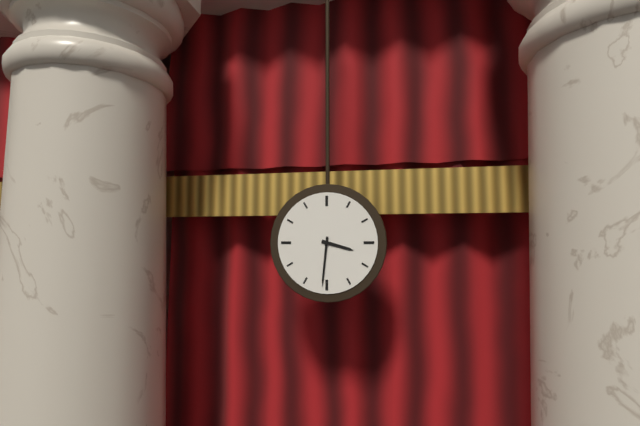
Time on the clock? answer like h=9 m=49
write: h=3 m=31
